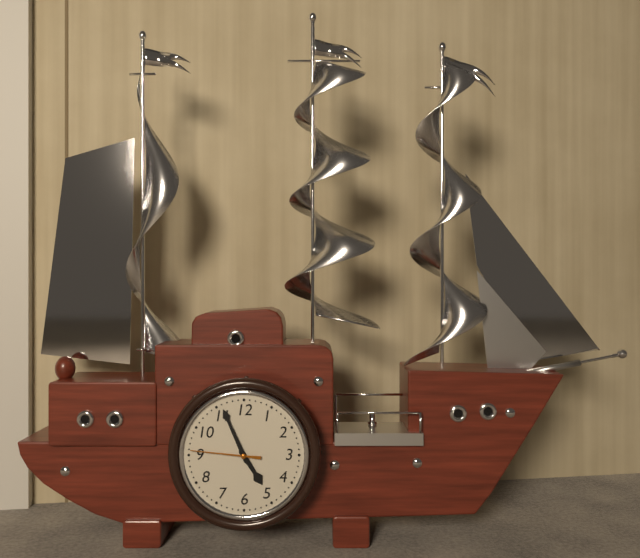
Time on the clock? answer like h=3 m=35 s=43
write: h=4 m=56 s=46
